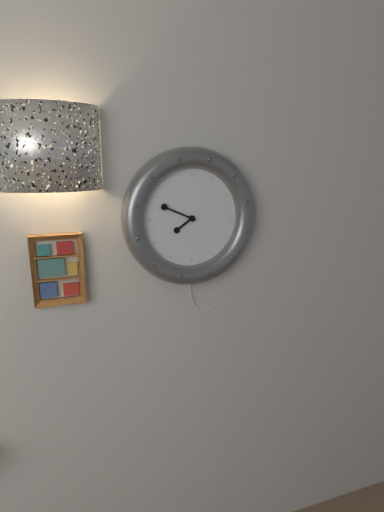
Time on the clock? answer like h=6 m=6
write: h=7 m=49
